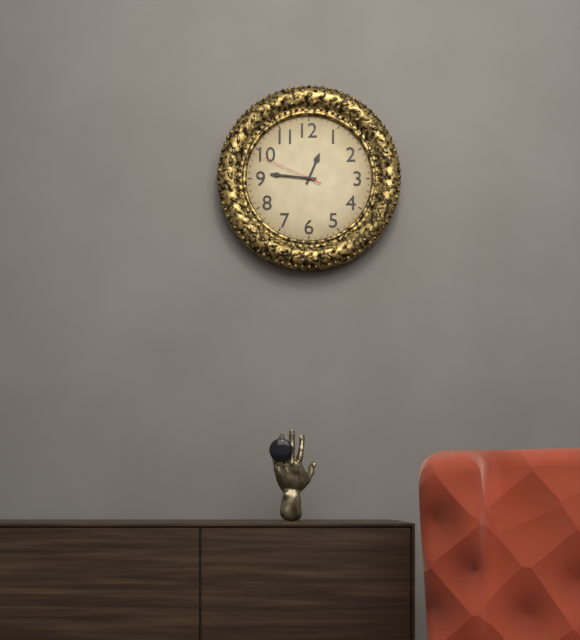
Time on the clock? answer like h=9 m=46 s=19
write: h=12 m=46 s=49
